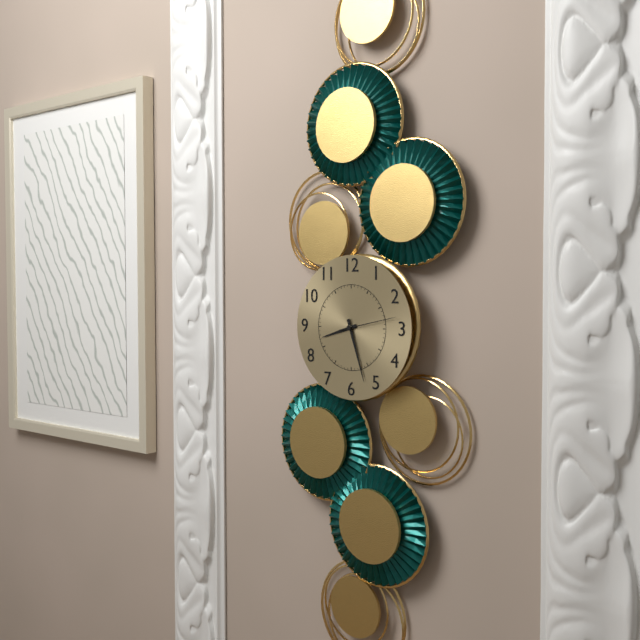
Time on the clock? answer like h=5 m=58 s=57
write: h=8 m=27 s=13
